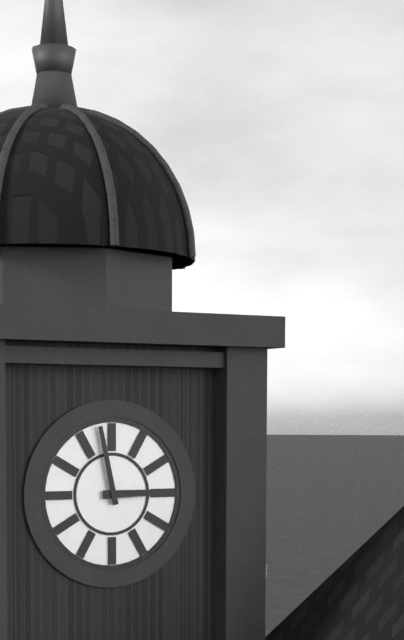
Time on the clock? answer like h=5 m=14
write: h=2 m=58
